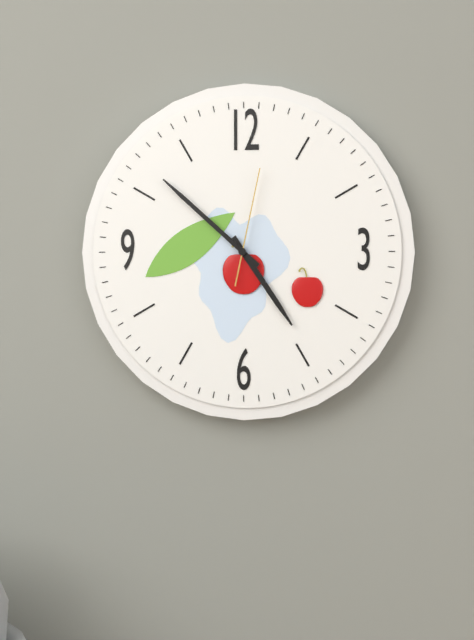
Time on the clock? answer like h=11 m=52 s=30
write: h=4 m=52 s=2
